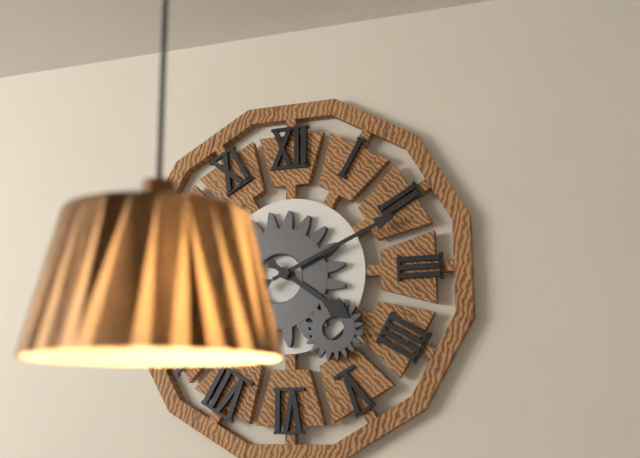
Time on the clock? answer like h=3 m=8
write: h=4 m=11
